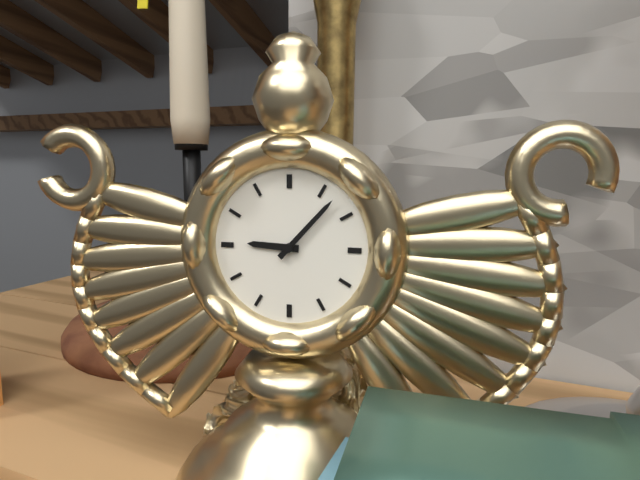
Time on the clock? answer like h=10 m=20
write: h=9 m=7
